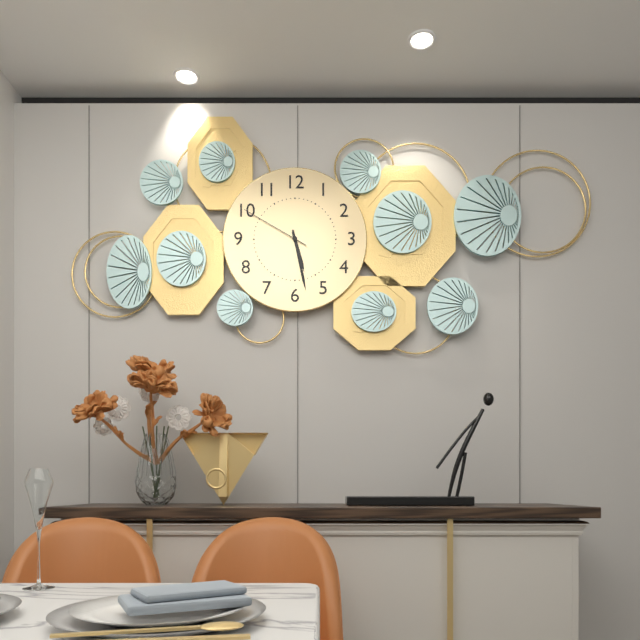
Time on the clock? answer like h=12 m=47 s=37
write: h=5 m=28 s=50
